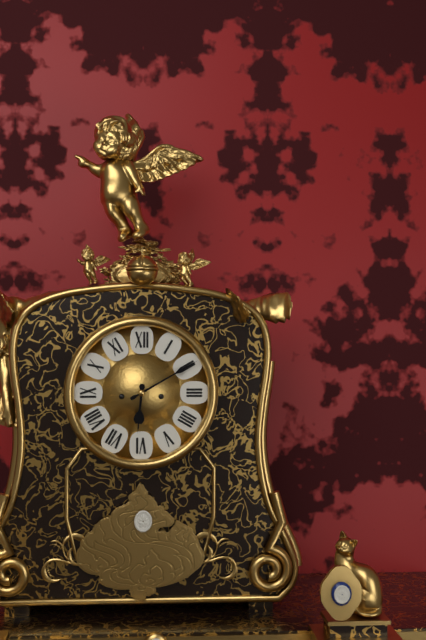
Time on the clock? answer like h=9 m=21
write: h=6 m=10
